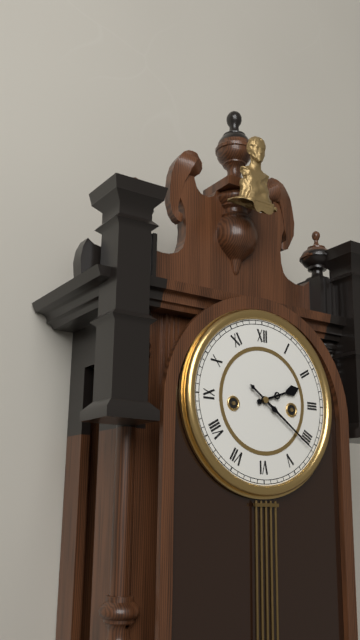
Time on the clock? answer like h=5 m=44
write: h=2 m=21
